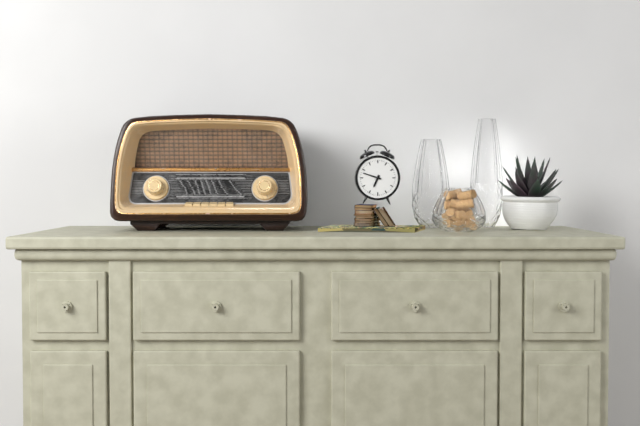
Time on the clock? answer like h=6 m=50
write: h=6 m=48
